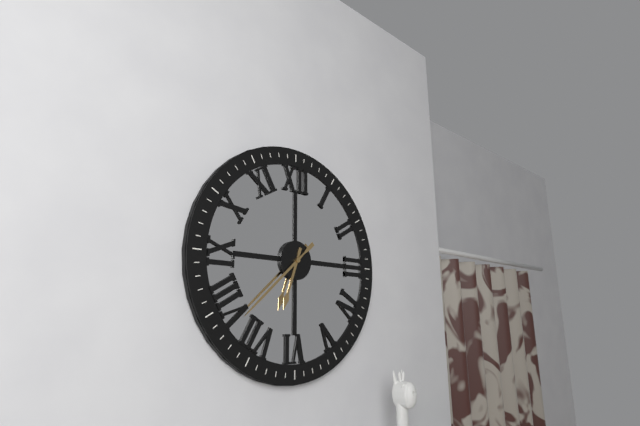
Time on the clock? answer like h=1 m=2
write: h=6 m=38
